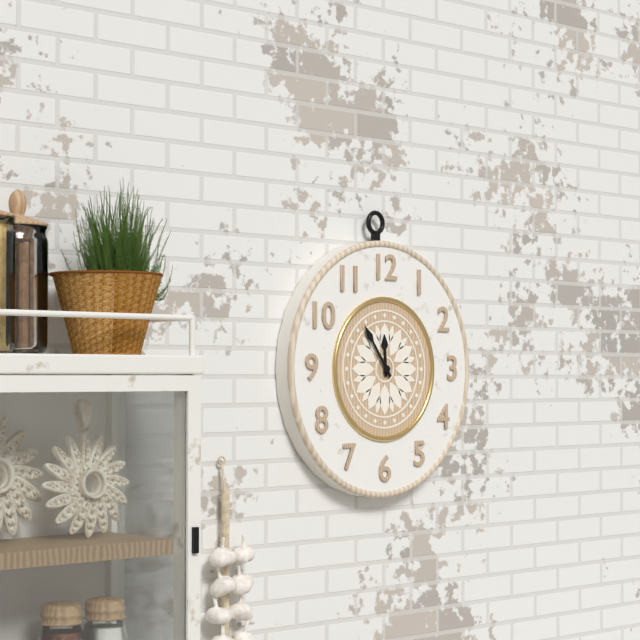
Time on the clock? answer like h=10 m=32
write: h=11 m=54
